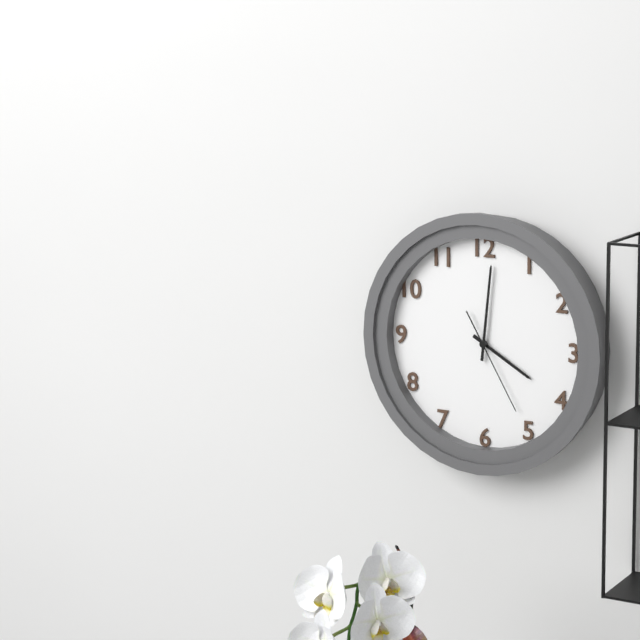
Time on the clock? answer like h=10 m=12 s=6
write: h=4 m=1 s=25
